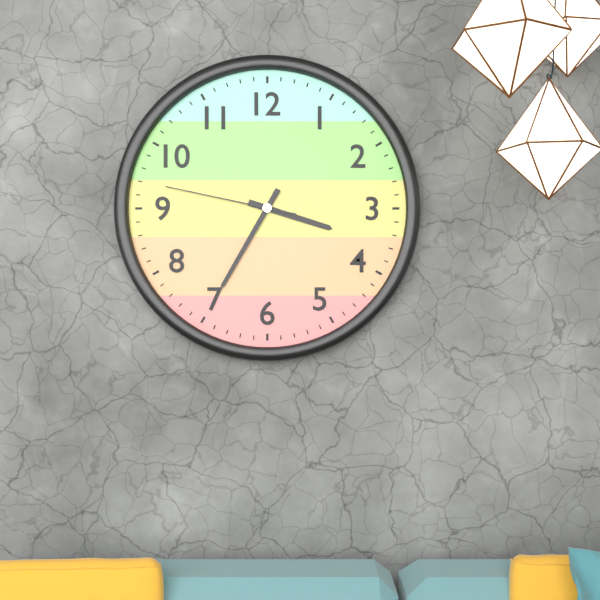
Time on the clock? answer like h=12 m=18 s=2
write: h=3 m=35 s=47
